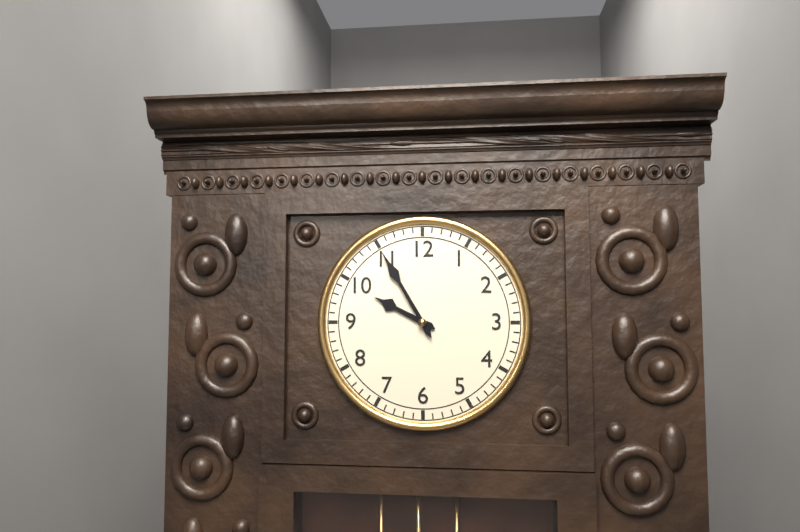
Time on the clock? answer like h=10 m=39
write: h=9 m=55
